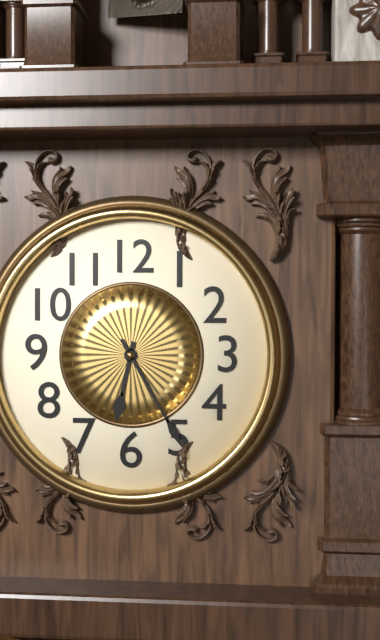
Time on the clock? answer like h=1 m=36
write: h=6 m=25
